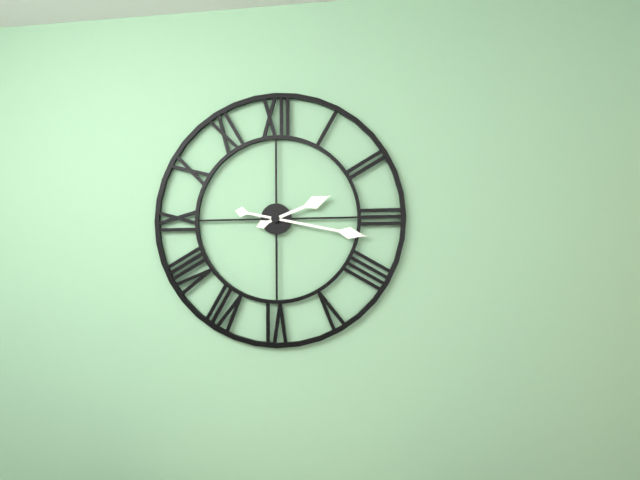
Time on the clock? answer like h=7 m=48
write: h=2 m=17
